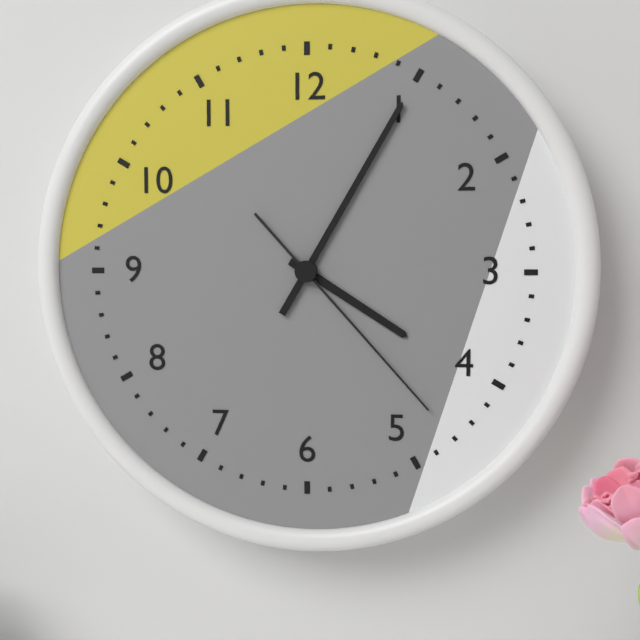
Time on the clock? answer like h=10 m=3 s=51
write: h=4 m=5 s=23
